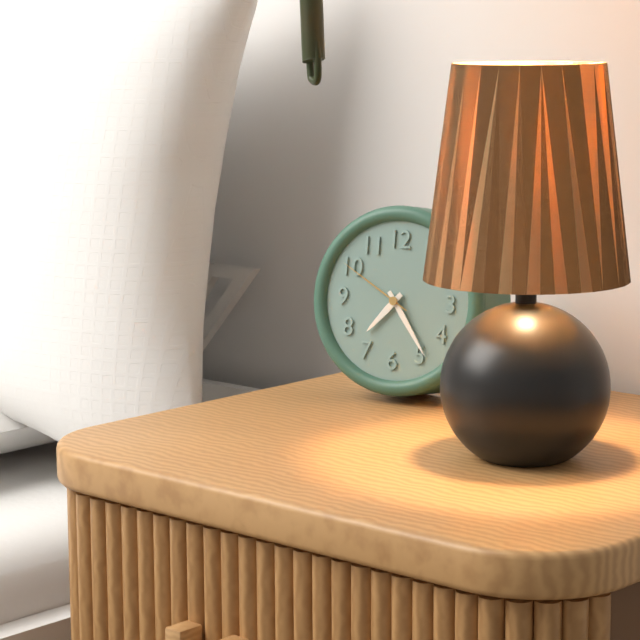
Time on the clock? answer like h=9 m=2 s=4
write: h=7 m=24 s=50
